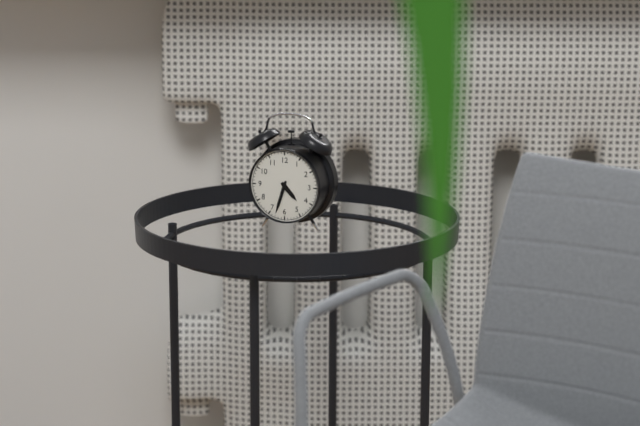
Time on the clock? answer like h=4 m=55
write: h=4 m=33
